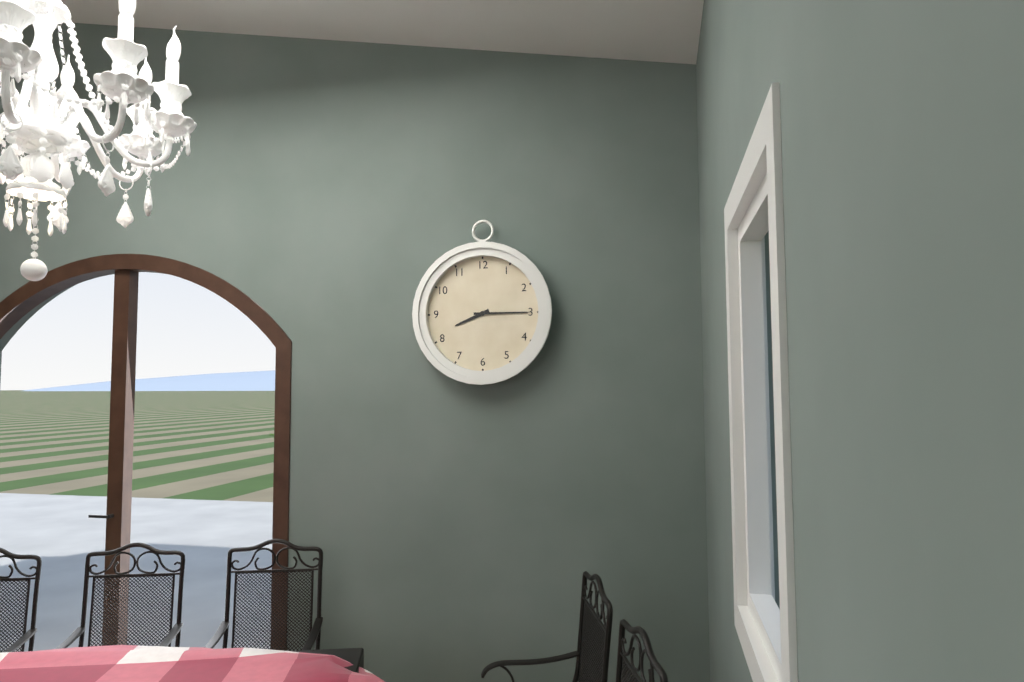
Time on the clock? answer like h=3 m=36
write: h=8 m=15
